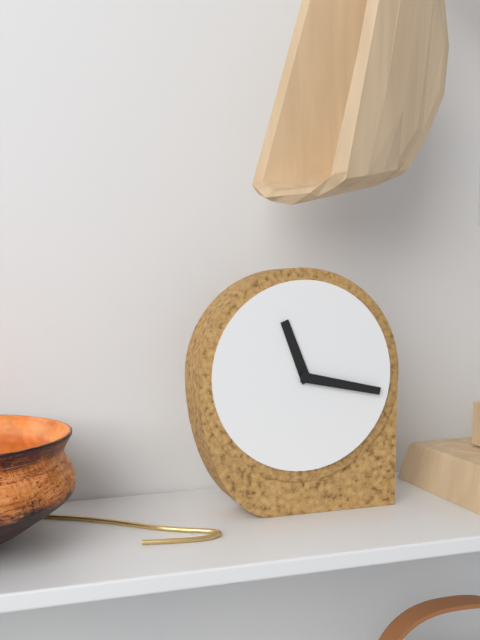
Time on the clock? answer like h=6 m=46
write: h=11 m=17
